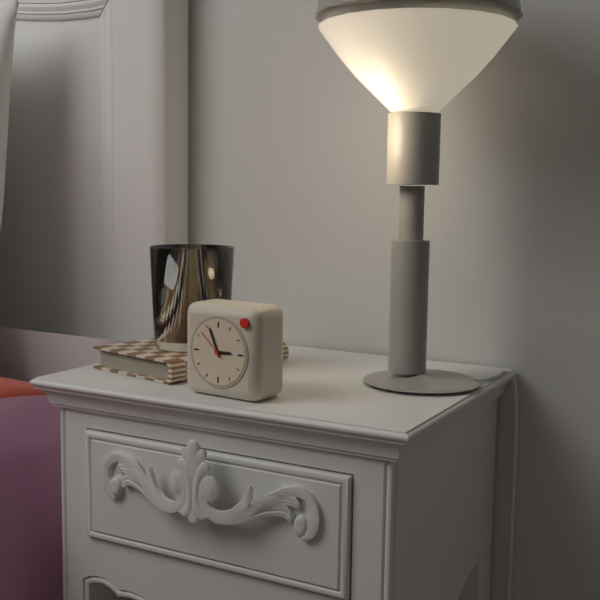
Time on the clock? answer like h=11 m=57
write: h=2 m=56
